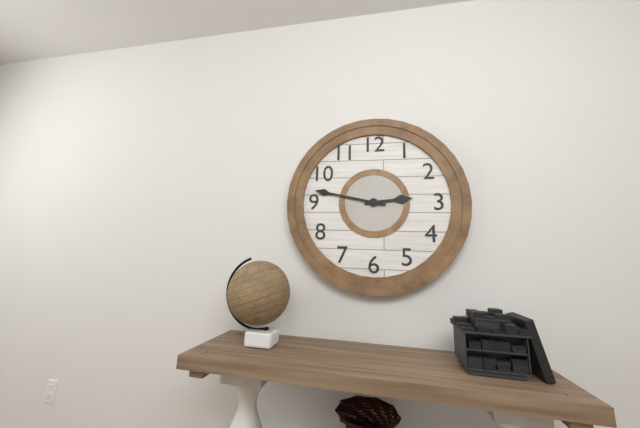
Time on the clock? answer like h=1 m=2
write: h=2 m=47
